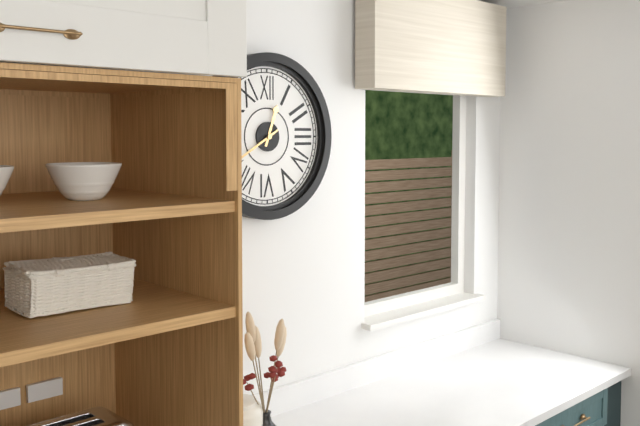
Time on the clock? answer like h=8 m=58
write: h=12 m=40
